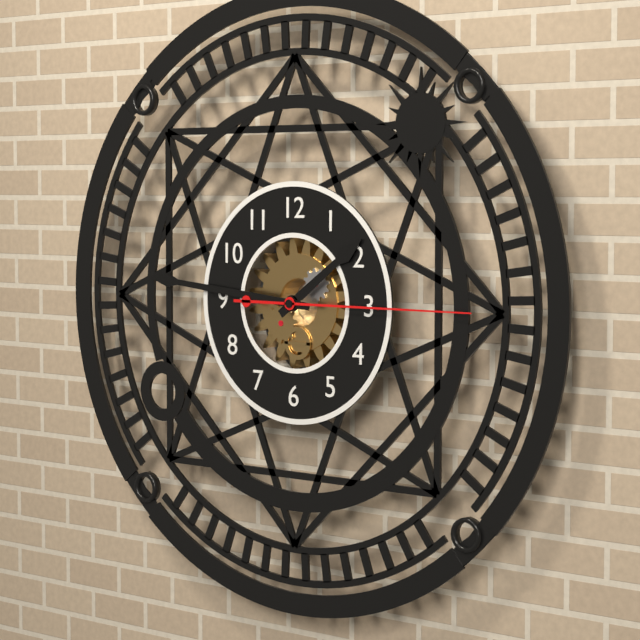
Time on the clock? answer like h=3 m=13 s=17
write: h=1 m=46 s=15
